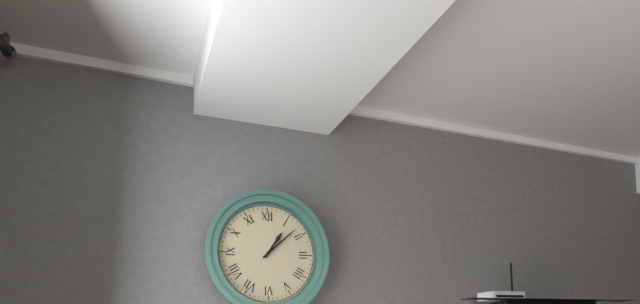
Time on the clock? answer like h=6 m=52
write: h=1 m=8
